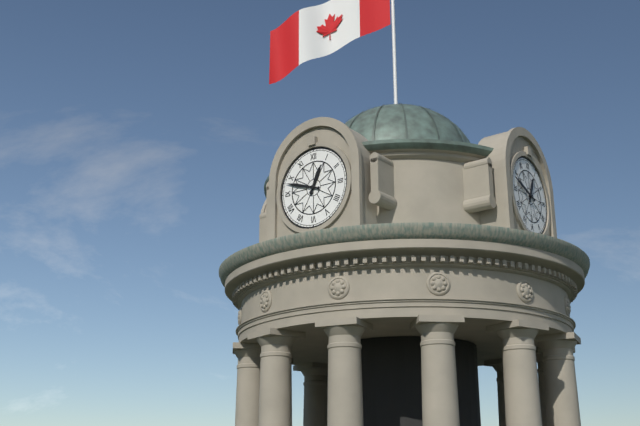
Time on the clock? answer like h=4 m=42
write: h=12 m=48
